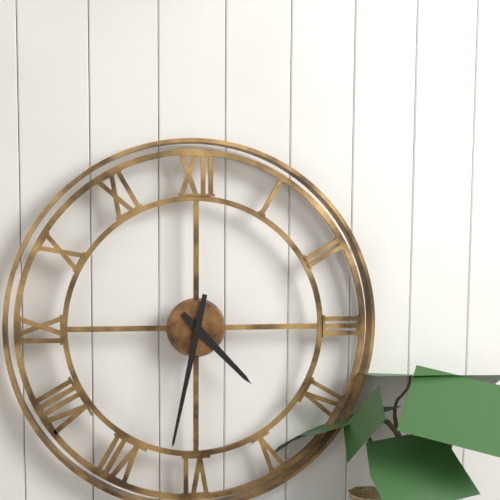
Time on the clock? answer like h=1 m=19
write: h=4 m=32
